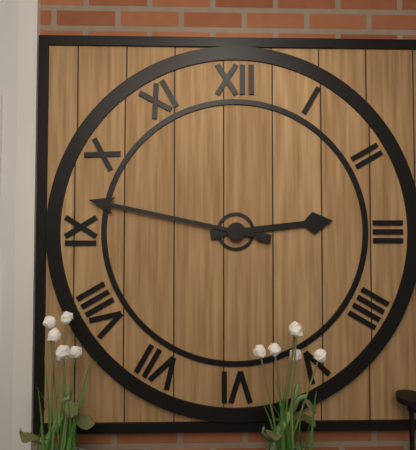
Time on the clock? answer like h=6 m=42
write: h=2 m=47
